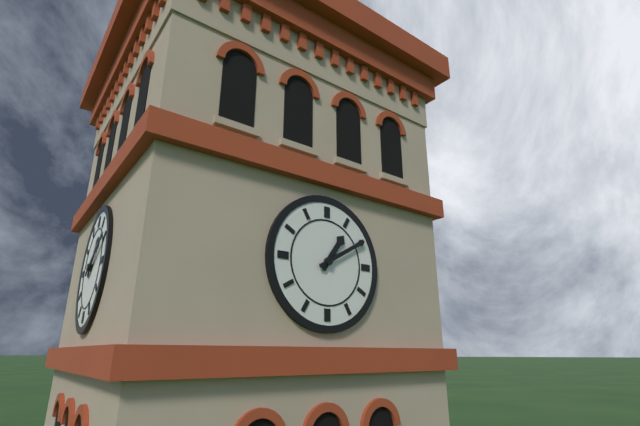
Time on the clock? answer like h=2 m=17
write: h=1 m=10
